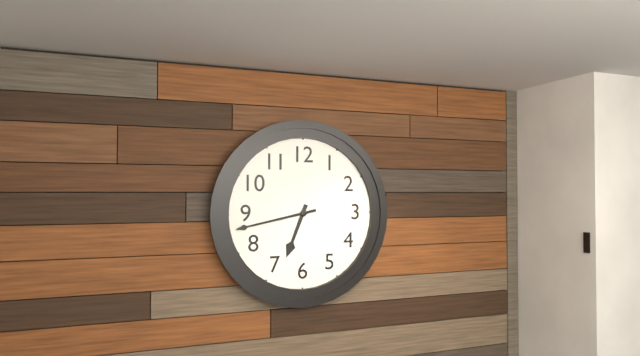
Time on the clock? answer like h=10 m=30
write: h=6 m=43
